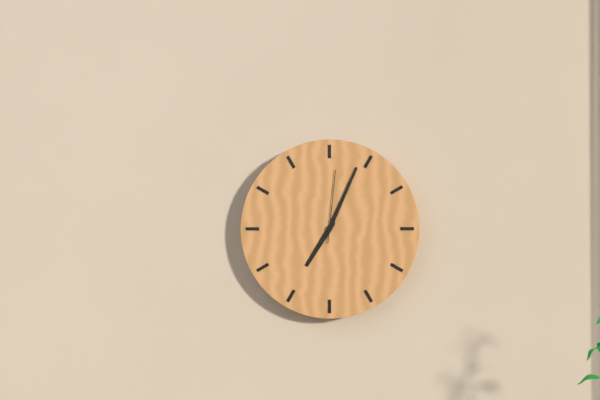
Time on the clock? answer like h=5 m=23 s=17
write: h=7 m=4 s=1
